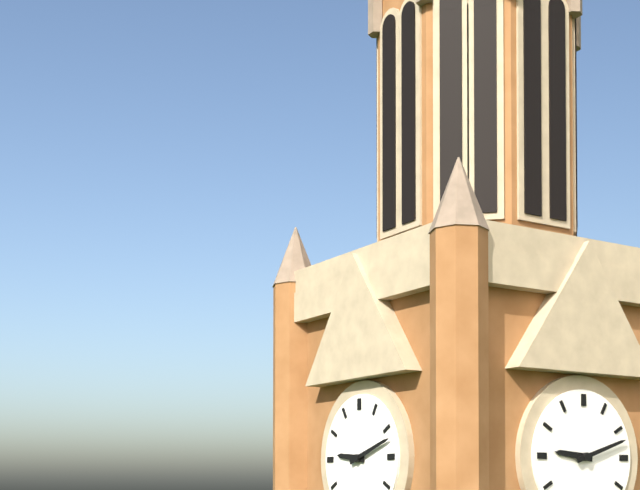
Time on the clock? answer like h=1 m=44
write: h=9 m=12
